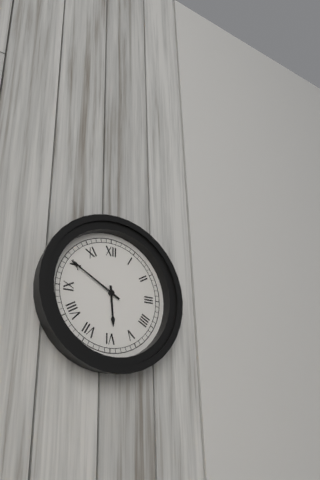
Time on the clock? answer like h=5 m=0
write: h=5 m=50
